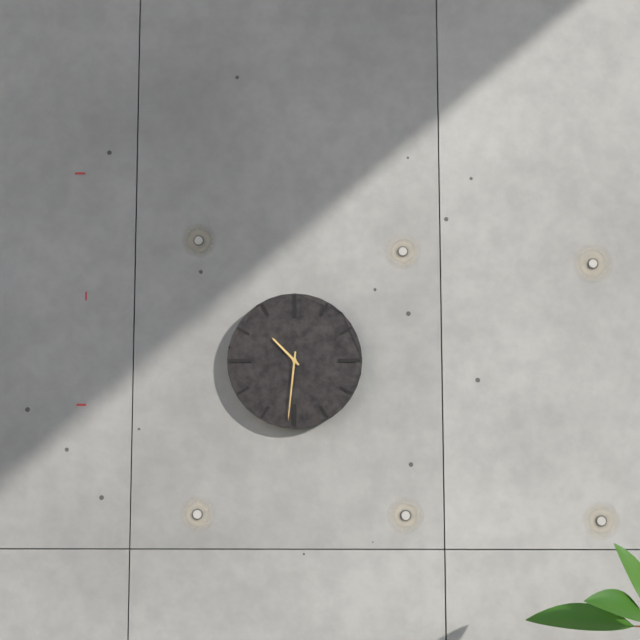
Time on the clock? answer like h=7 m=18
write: h=10 m=31
